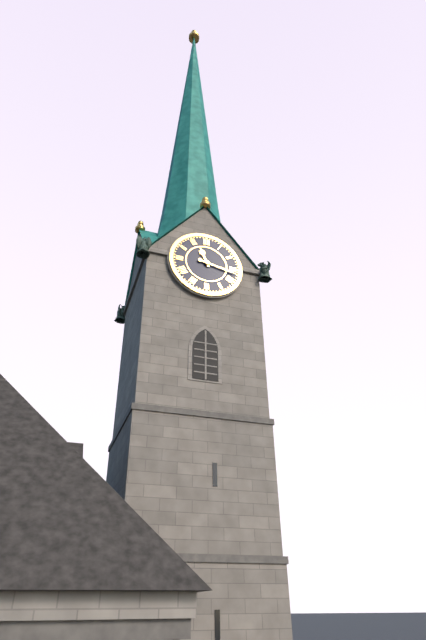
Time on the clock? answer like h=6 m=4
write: h=11 m=17
